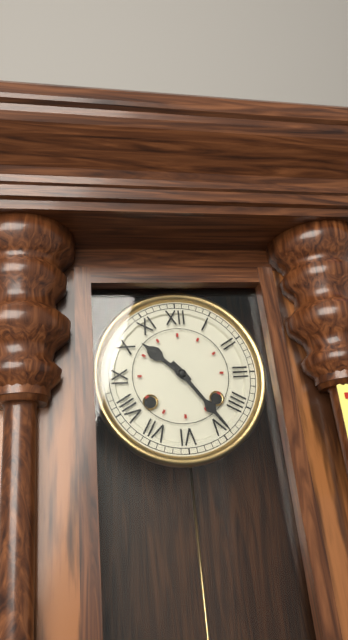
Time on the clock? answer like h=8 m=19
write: h=10 m=24
